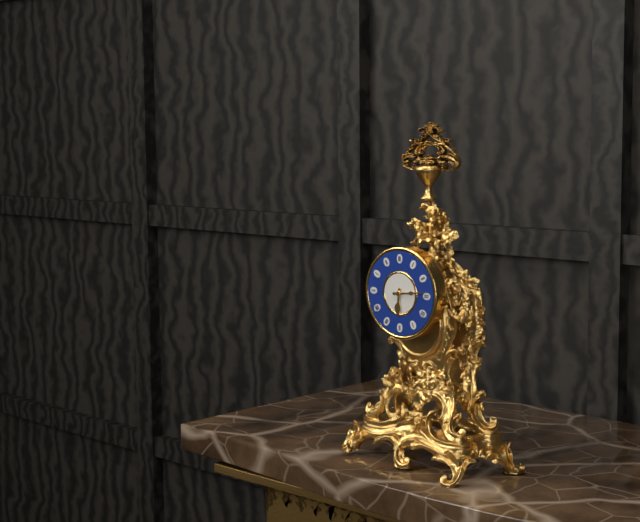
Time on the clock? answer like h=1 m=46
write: h=6 m=14
